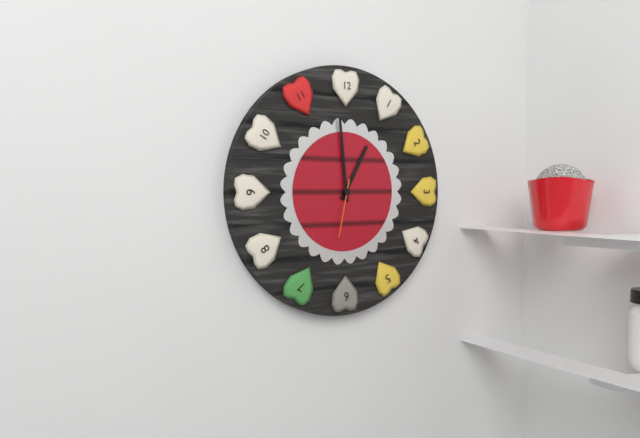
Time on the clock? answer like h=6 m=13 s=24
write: h=12 m=59 s=32
